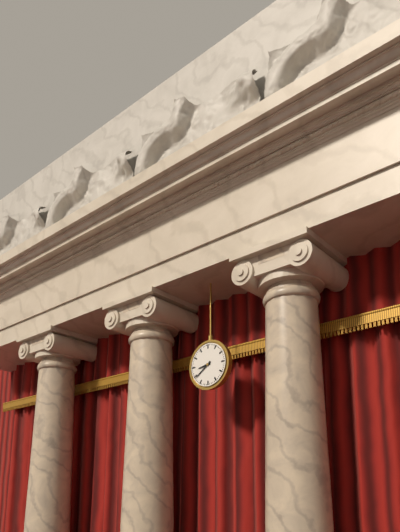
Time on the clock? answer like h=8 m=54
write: h=8 m=39
